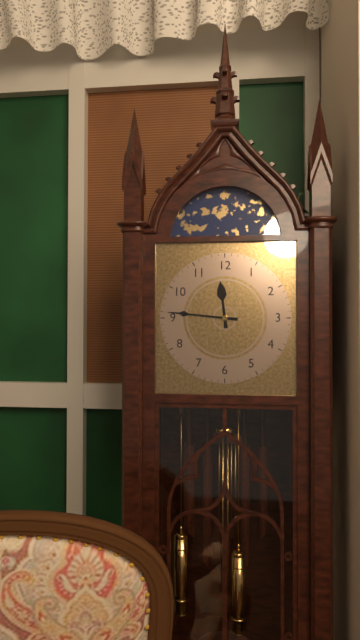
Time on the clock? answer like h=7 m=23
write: h=11 m=46
